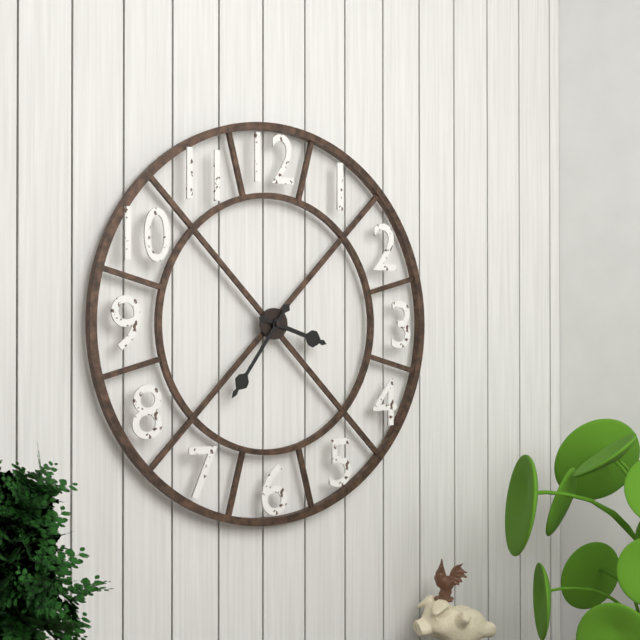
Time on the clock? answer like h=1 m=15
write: h=3 m=36
